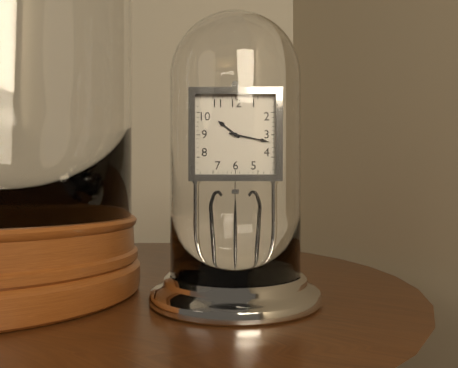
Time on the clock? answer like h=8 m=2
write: h=10 m=17
